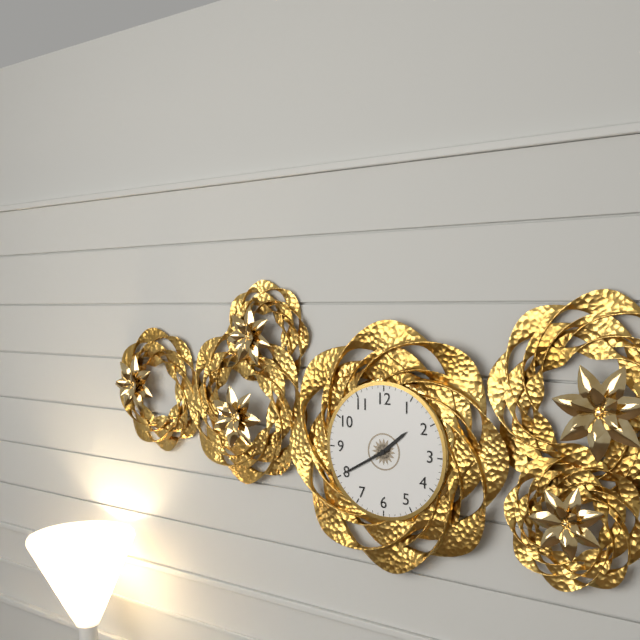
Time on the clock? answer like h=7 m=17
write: h=1 m=40
